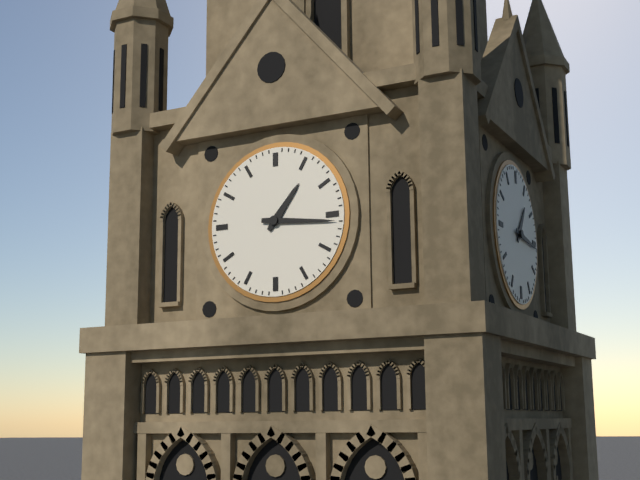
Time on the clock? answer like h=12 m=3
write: h=1 m=16
